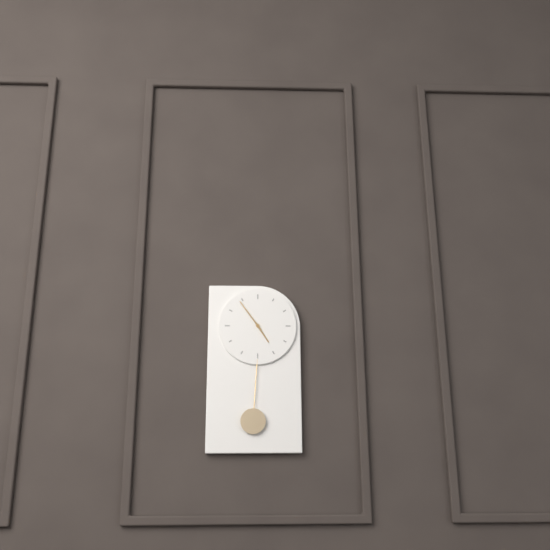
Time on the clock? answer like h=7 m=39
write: h=4 m=54
